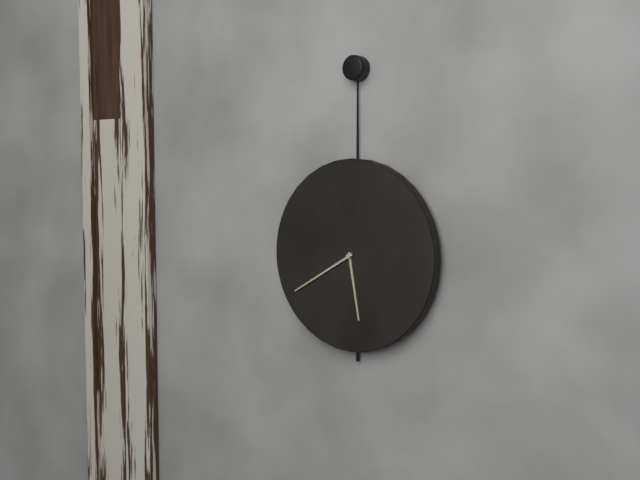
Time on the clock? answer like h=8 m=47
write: h=5 m=40
